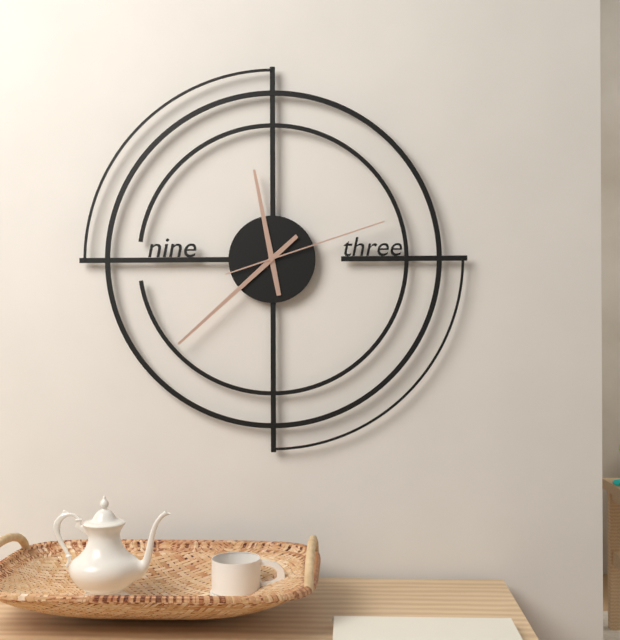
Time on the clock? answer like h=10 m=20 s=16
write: h=11 m=38 s=12
